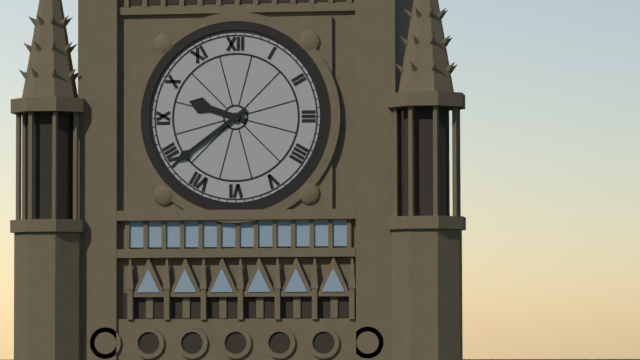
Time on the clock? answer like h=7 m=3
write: h=9 m=39
